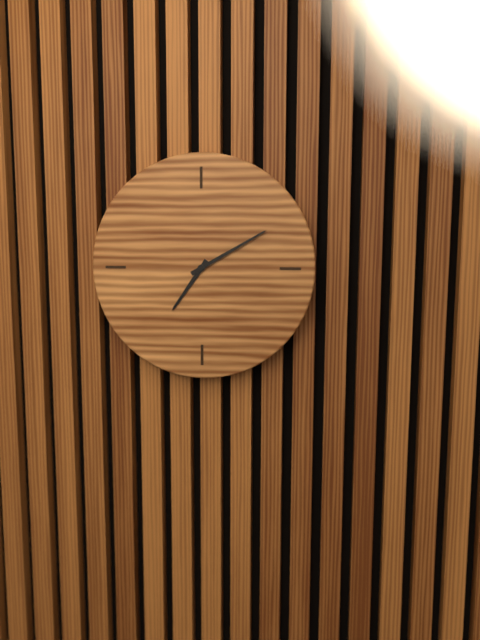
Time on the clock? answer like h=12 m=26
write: h=7 m=10
